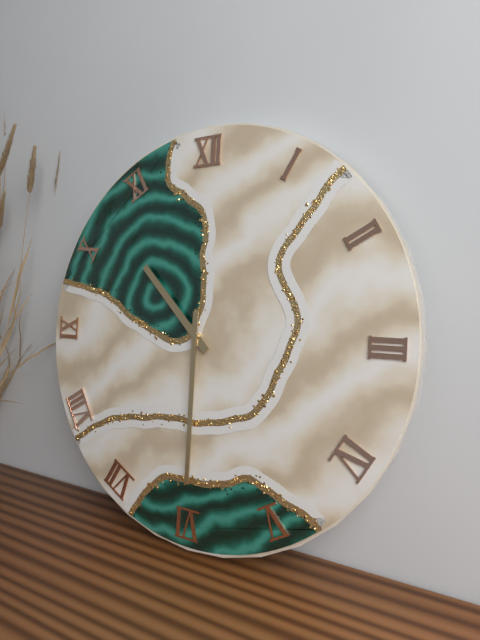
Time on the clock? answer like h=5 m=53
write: h=10 m=30
